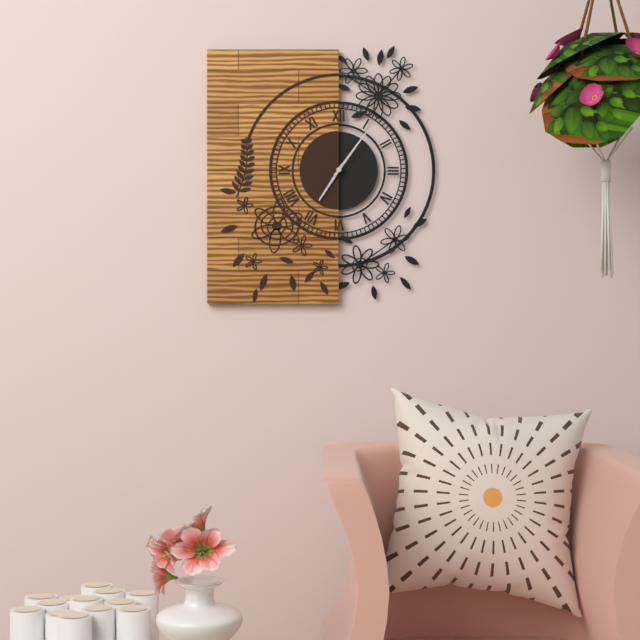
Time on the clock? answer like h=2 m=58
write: h=7 m=6
